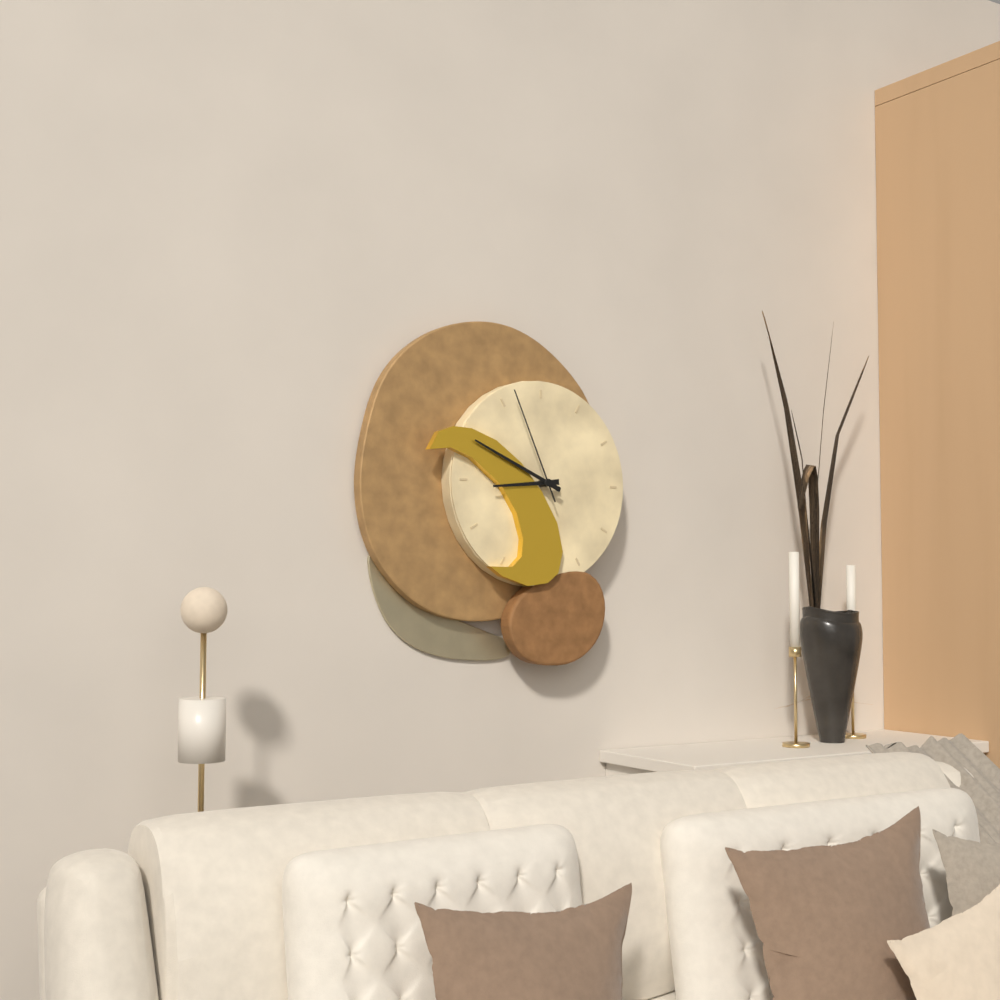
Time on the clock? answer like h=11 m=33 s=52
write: h=8 m=49 s=56
